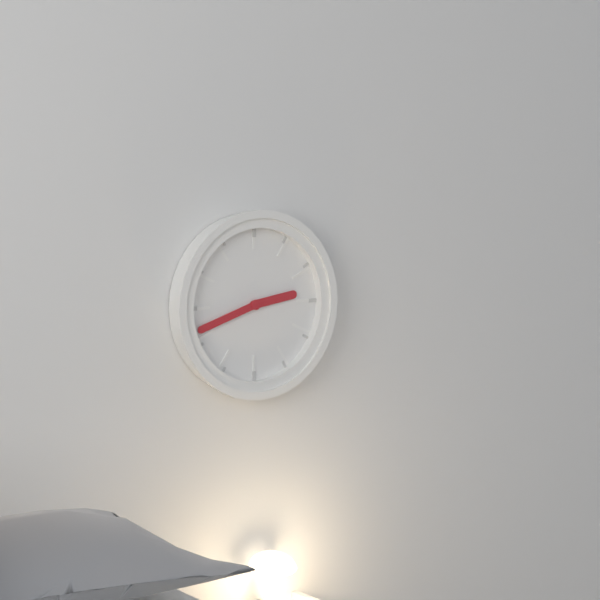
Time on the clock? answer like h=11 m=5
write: h=2 m=42
